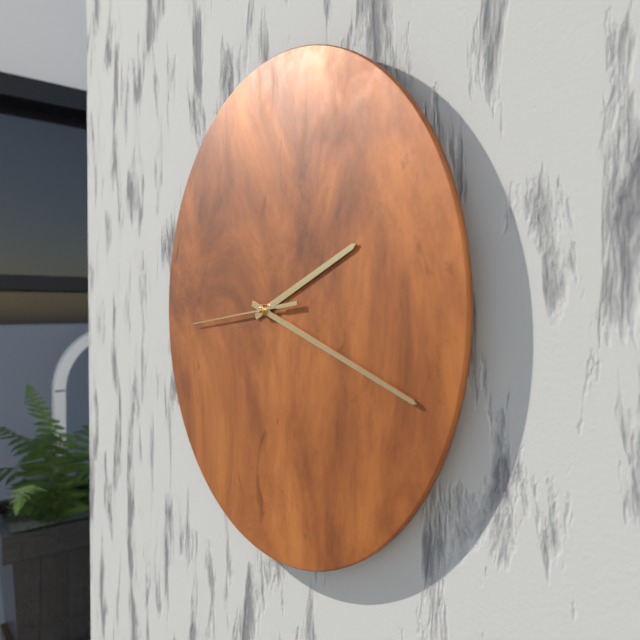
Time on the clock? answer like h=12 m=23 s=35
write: h=2 m=18 s=44
